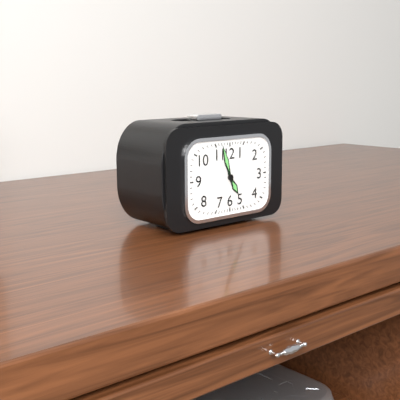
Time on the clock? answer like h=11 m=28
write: h=4 m=57
